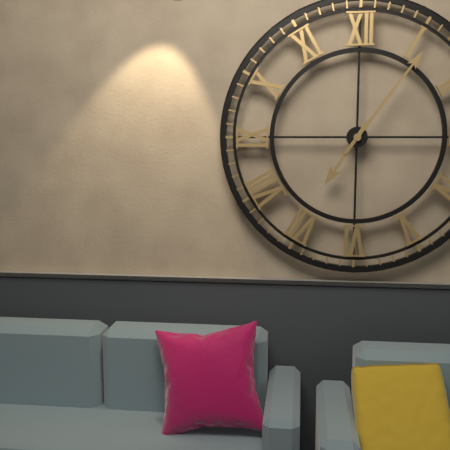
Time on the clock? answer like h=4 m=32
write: h=7 m=6
